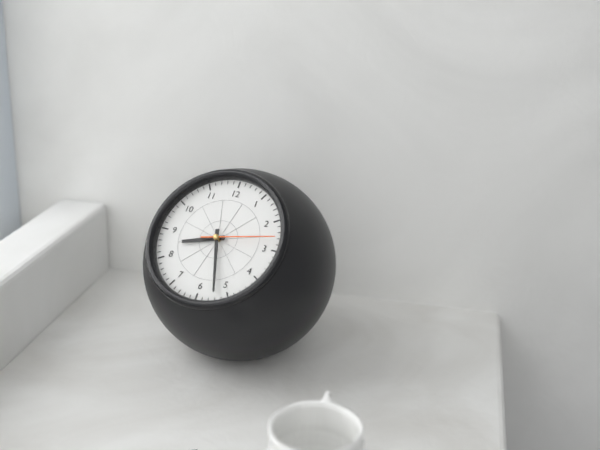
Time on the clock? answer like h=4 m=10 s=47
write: h=8 m=27 s=13
